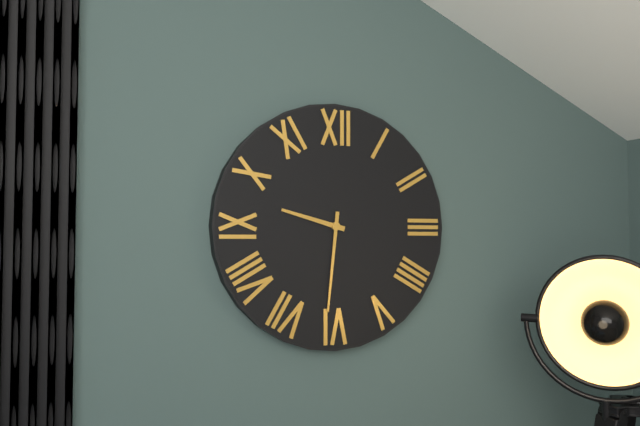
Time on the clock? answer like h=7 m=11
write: h=9 m=31
